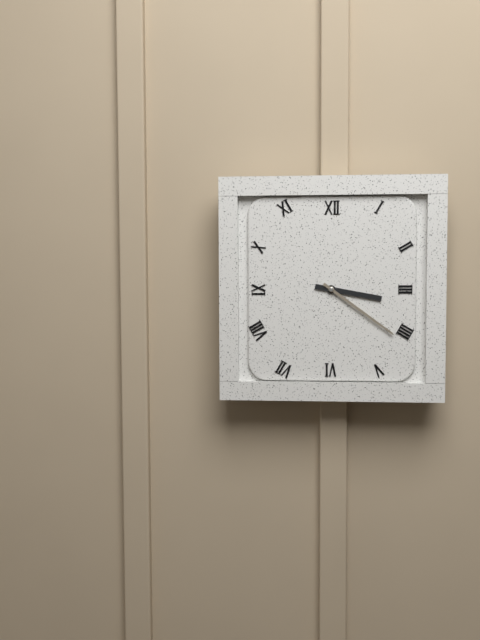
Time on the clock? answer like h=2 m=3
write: h=3 m=21
